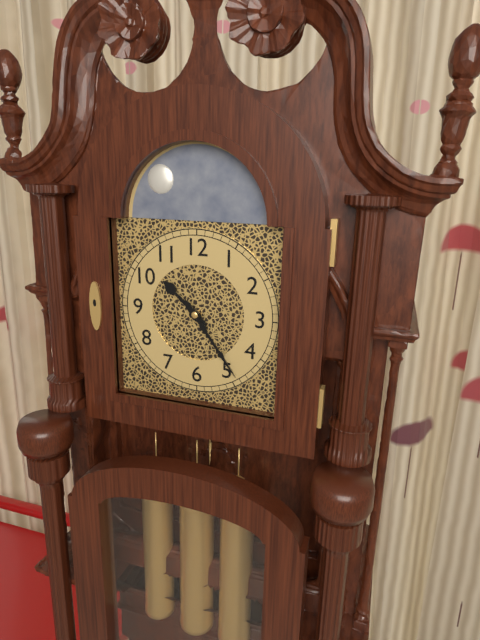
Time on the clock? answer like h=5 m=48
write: h=10 m=24
